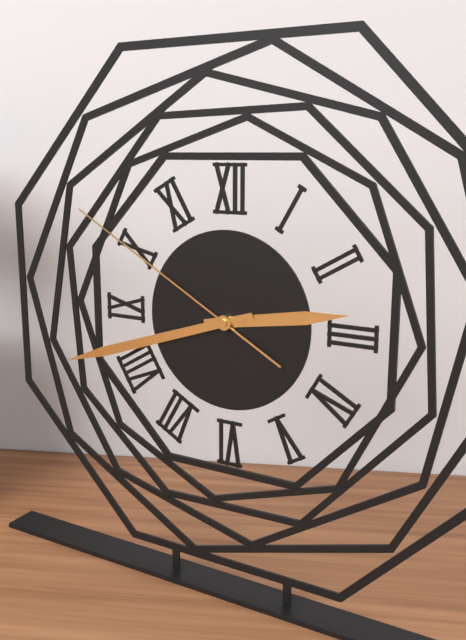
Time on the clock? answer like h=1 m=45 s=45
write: h=2 m=42 s=50
